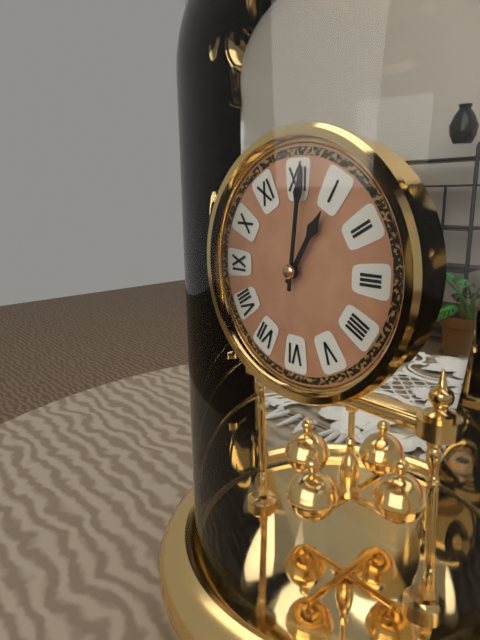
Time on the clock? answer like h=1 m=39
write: h=1 m=1
